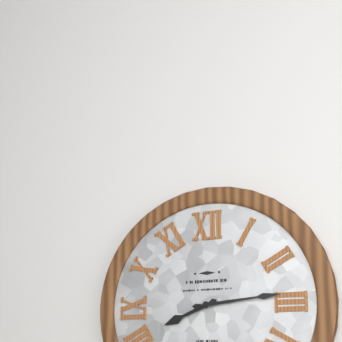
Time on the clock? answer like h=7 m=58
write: h=8 m=14
